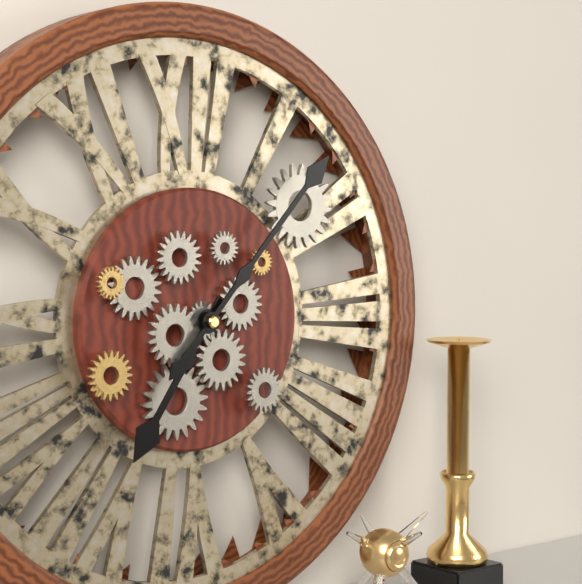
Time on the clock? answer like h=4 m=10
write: h=7 m=7
